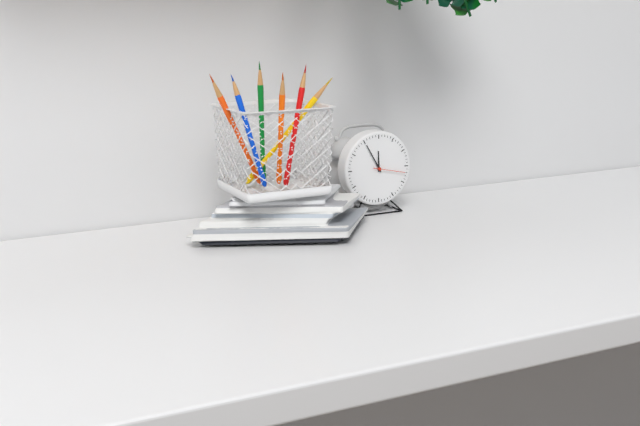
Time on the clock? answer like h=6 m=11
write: h=11 m=55
